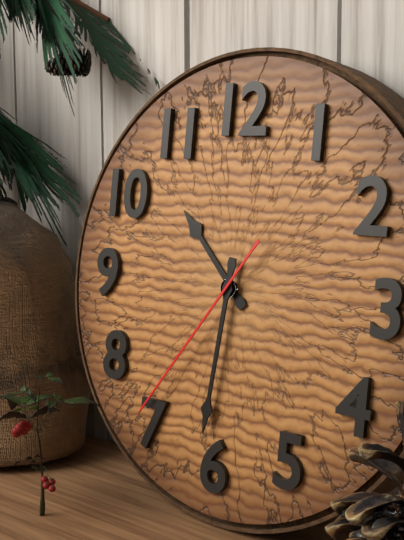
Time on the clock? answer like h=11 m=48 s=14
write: h=10 m=31 s=36
